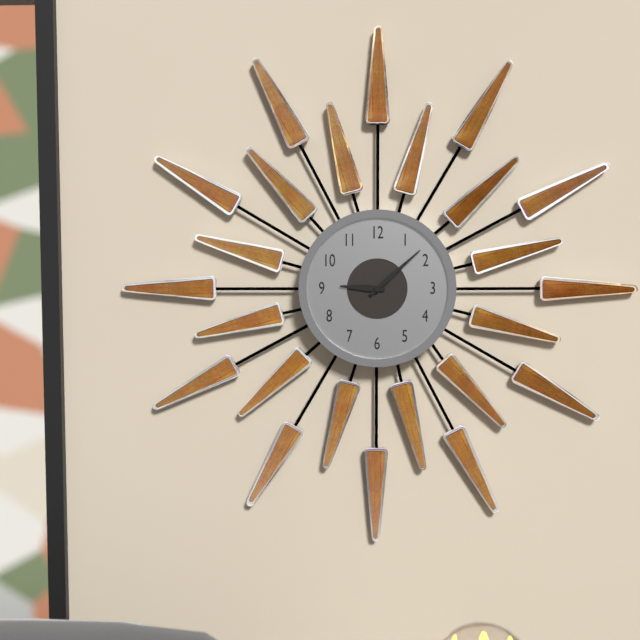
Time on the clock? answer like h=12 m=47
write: h=9 m=8
